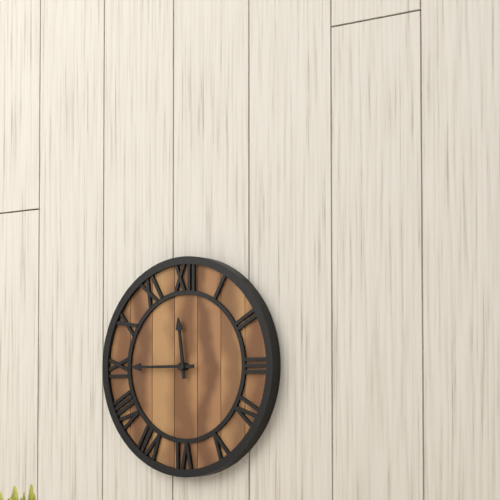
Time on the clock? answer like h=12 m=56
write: h=11 m=45
